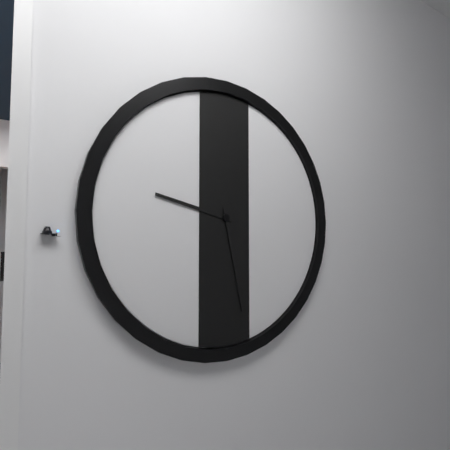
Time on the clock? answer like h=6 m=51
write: h=9 m=28
